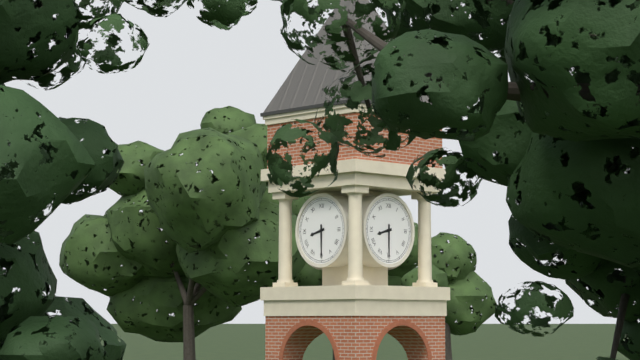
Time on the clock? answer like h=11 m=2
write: h=8 m=30
